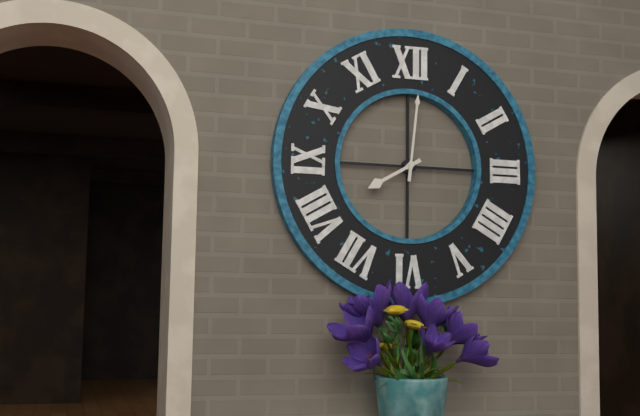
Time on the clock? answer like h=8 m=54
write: h=8 m=1
